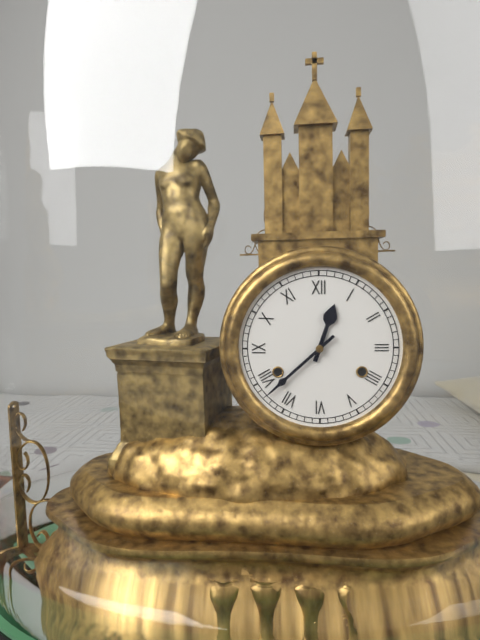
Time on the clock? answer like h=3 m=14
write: h=12 m=38
